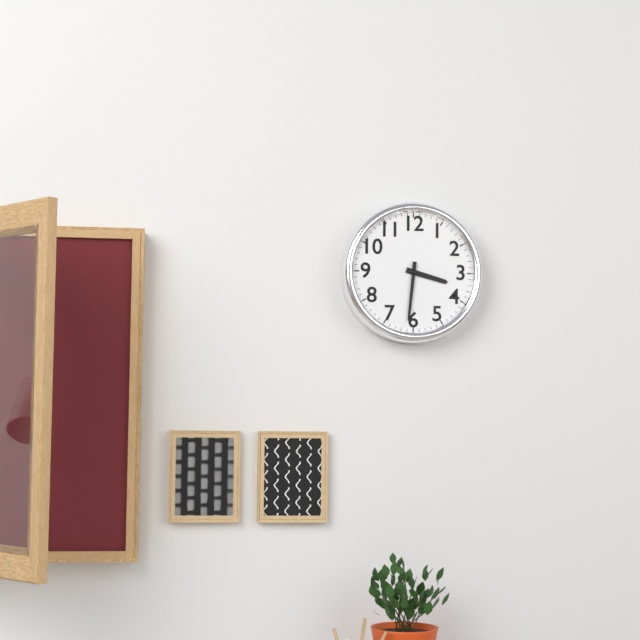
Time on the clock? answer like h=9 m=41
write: h=3 m=31
